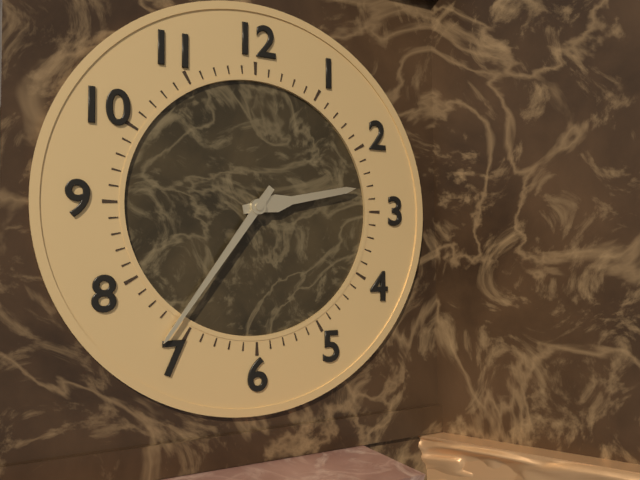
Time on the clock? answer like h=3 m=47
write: h=2 m=36
